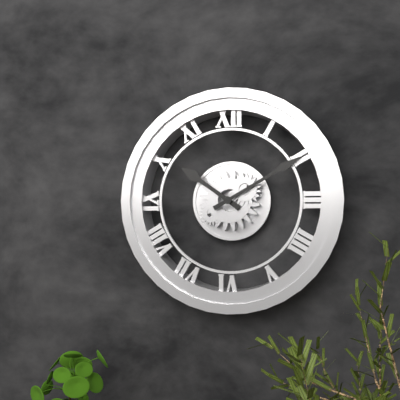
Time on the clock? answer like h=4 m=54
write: h=10 m=10
